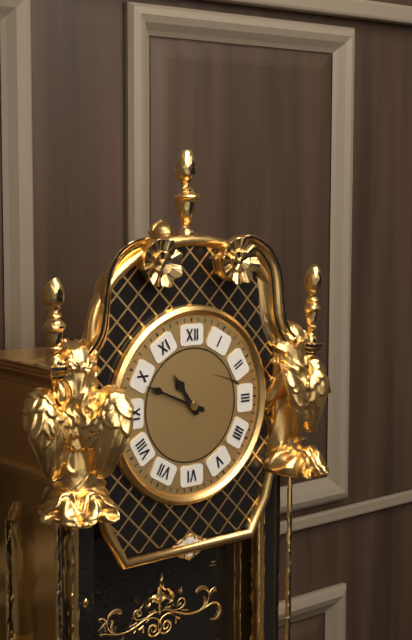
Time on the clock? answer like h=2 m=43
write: h=10 m=49
